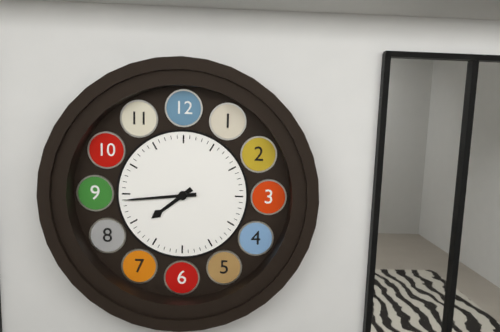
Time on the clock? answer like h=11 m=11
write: h=7 m=44
